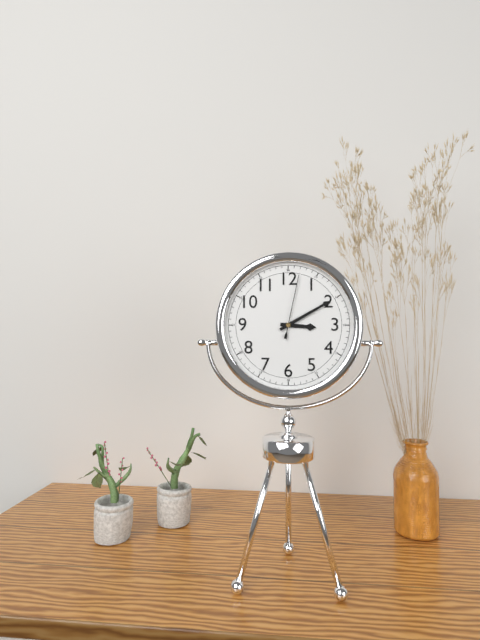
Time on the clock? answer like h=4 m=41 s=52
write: h=3 m=10 s=2
